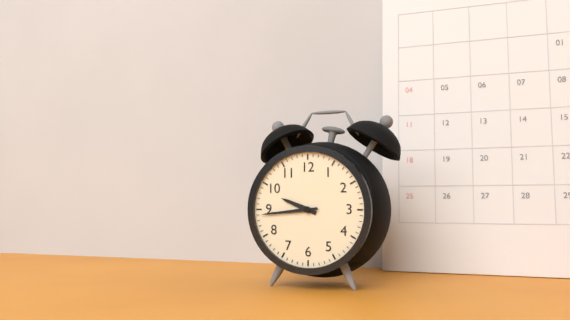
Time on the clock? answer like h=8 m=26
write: h=9 m=44
